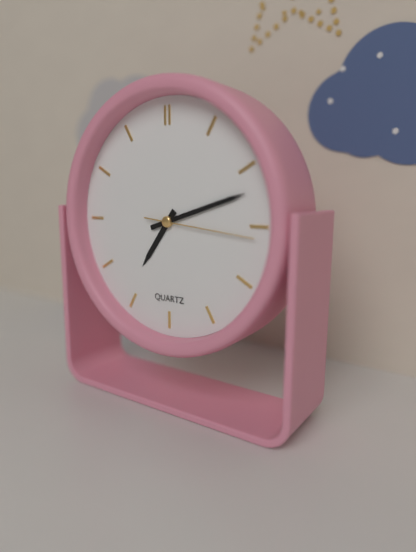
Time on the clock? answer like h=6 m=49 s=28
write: h=7 m=12 s=16
